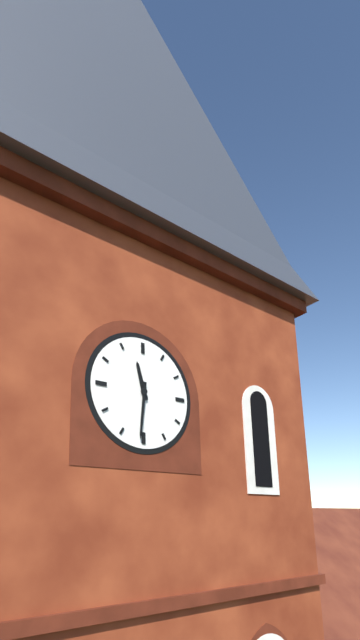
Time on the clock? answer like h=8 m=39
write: h=11 m=31
